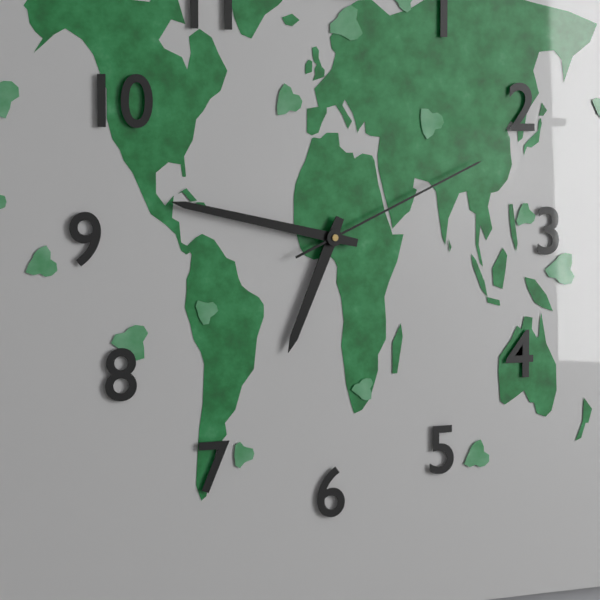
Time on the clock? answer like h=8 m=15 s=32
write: h=6 m=47 s=11
